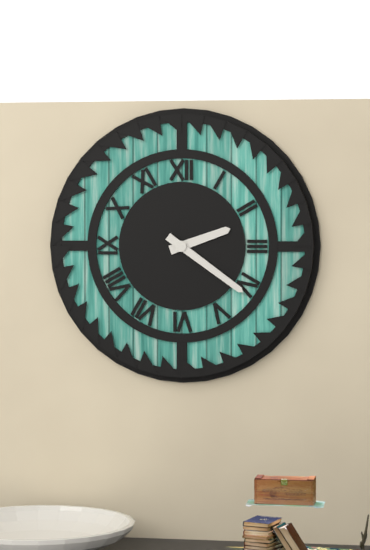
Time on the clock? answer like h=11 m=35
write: h=2 m=21
